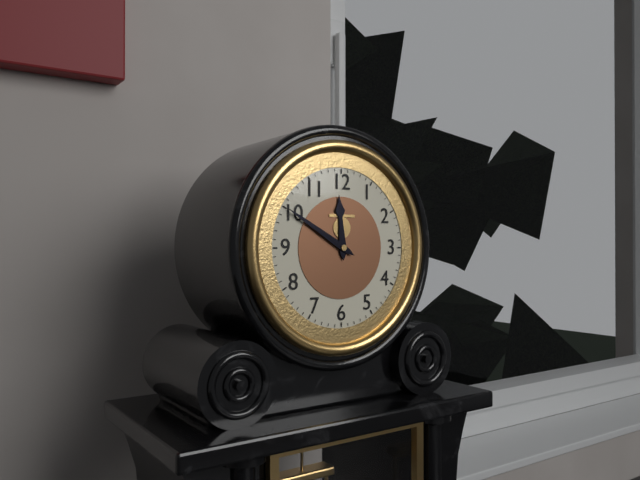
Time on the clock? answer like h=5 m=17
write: h=11 m=50
